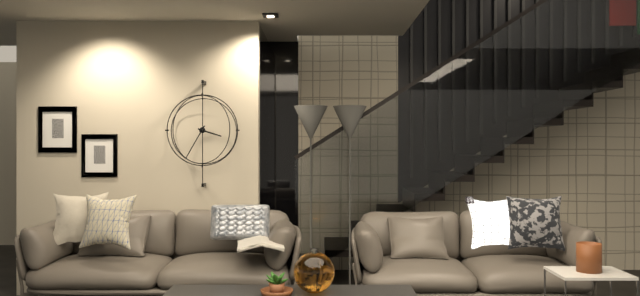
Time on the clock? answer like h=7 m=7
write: h=3 m=35
